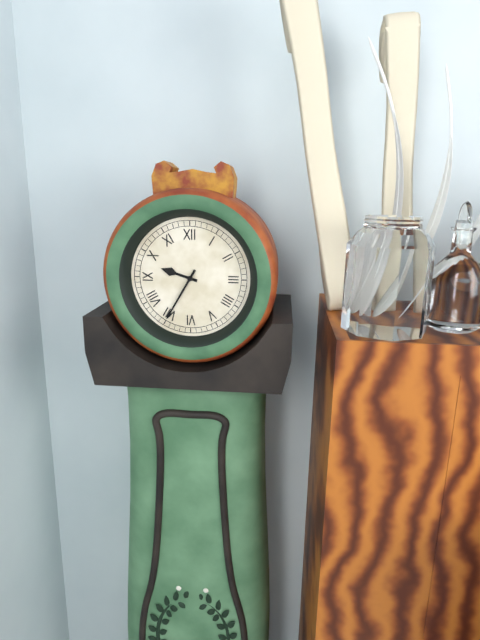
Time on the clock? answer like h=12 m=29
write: h=9 m=35
